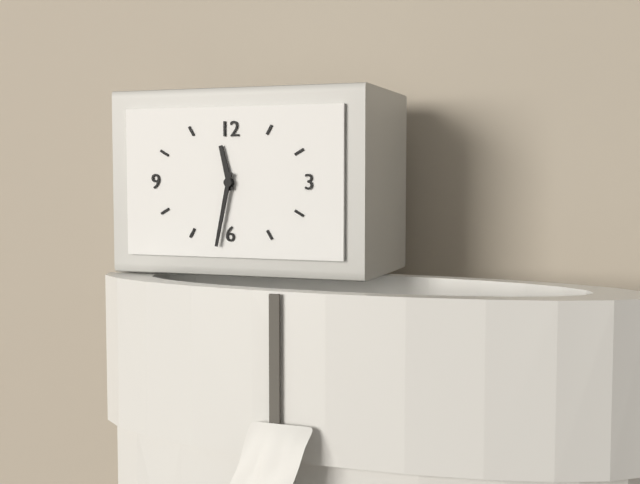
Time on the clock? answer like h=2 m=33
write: h=11 m=32
